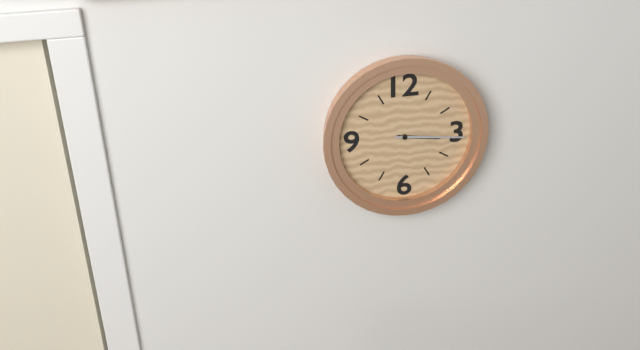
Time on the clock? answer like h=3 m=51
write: h=3 m=16
